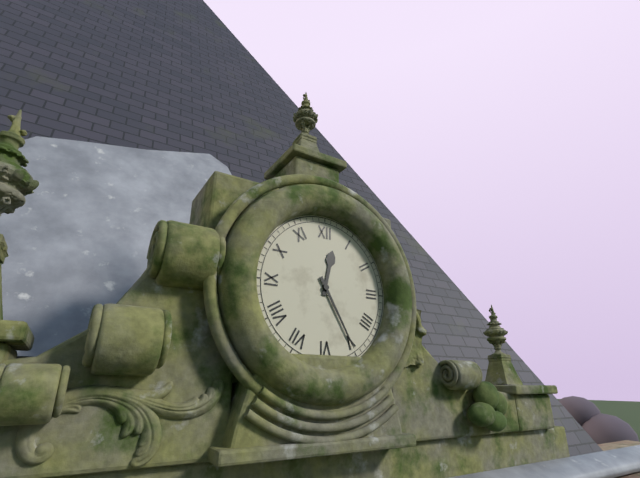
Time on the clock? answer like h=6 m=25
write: h=12 m=25
